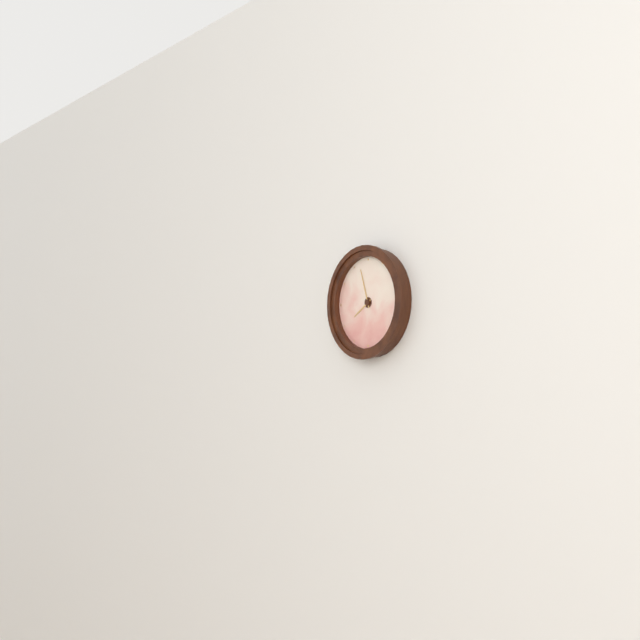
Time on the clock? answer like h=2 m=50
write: h=7 m=57
